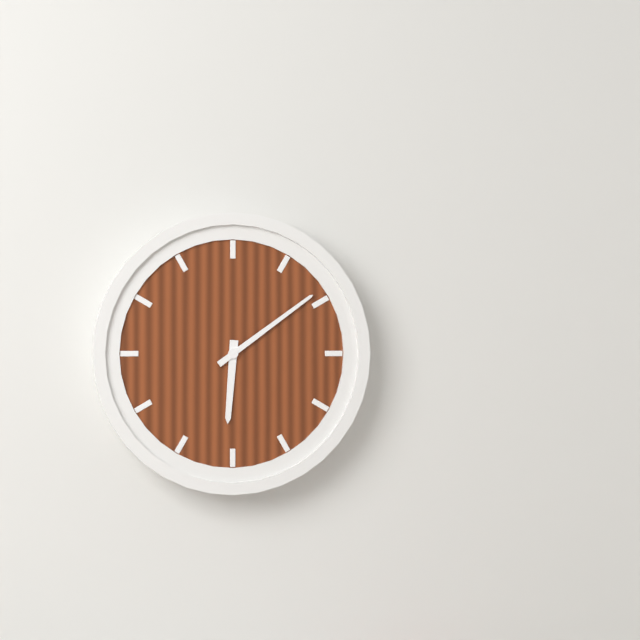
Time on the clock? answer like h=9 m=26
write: h=6 m=9
